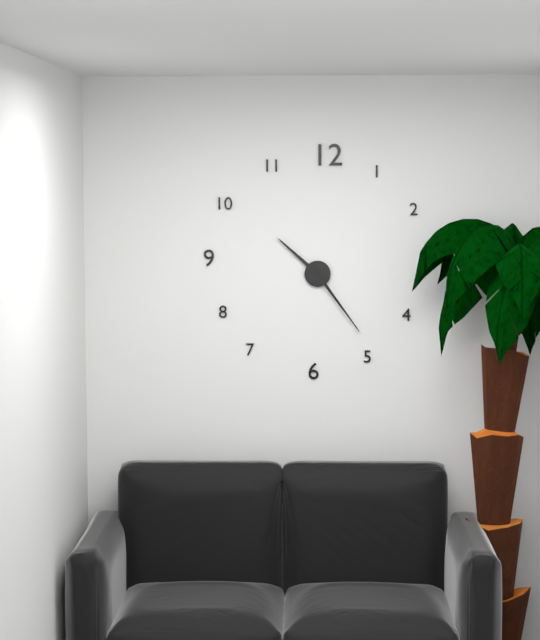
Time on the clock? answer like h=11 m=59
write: h=10 m=24
